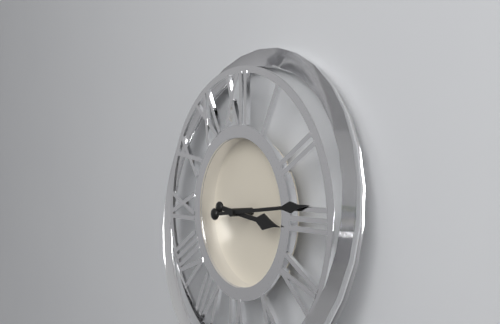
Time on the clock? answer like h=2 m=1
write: h=3 m=14
